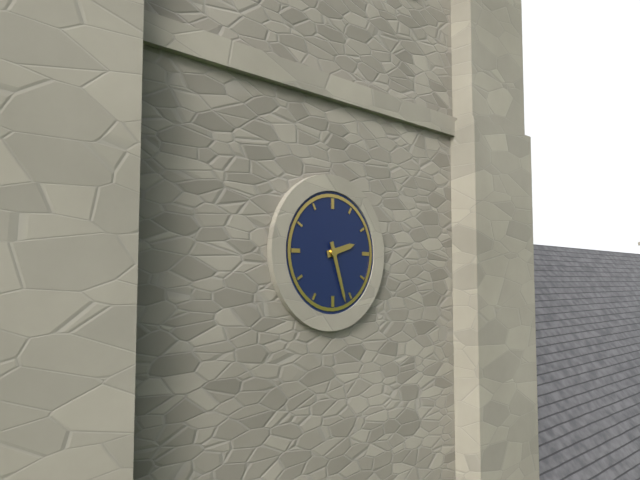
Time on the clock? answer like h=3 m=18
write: h=2 m=27
